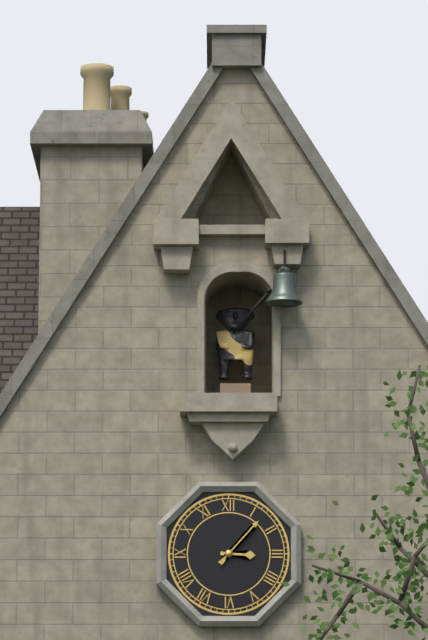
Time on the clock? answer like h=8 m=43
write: h=3 m=7
